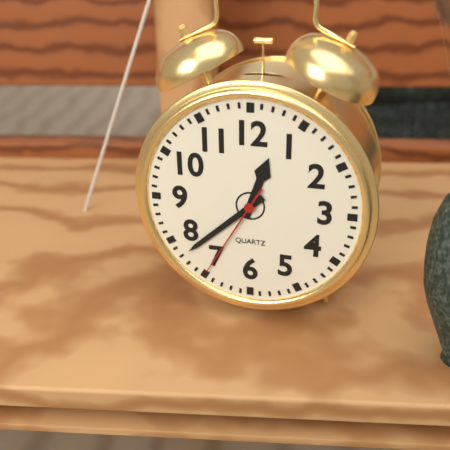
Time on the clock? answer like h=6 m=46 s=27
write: h=12 m=38 s=35
